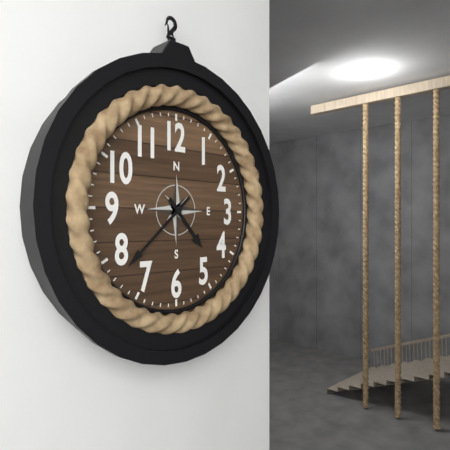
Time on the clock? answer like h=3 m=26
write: h=4 m=38
